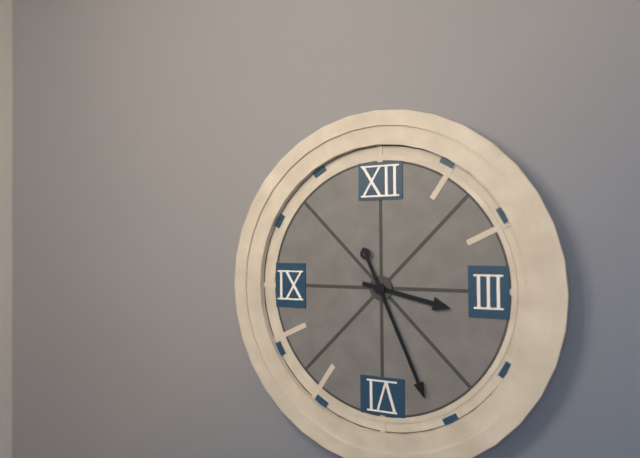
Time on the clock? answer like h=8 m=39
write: h=3 m=26
